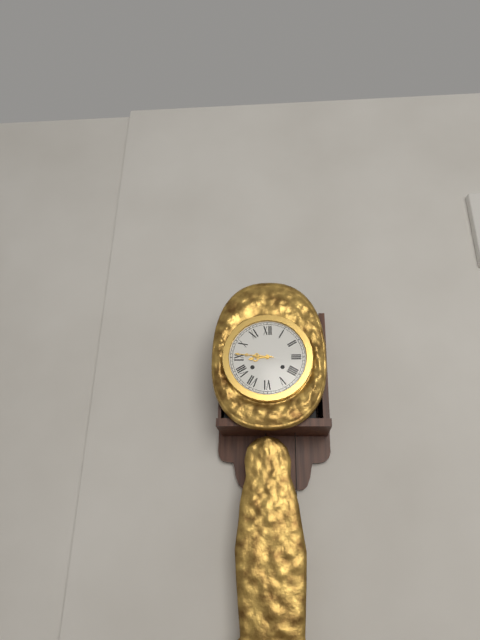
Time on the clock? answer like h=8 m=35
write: h=8 m=46
